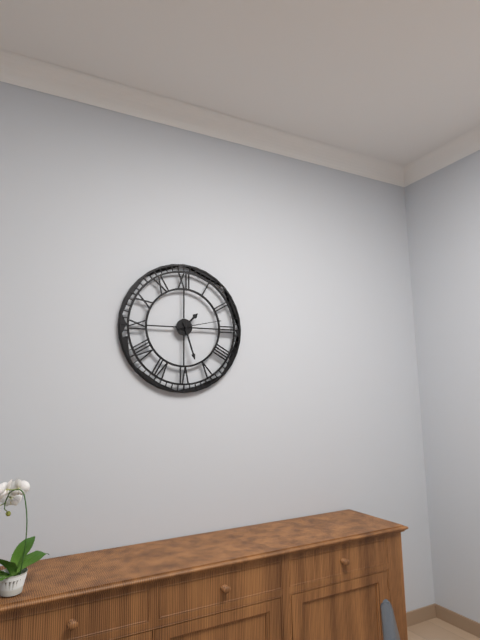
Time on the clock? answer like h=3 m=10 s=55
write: h=1 m=27 s=13
